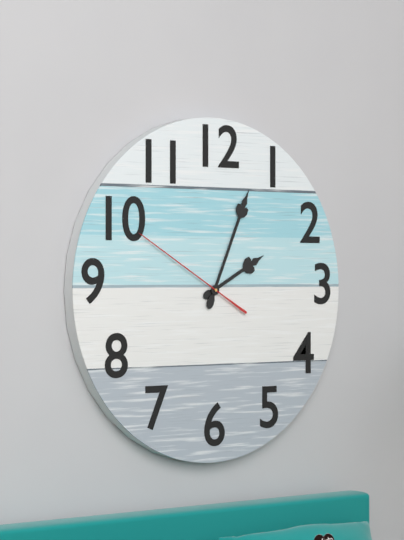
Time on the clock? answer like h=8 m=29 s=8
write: h=2 m=4 s=50
